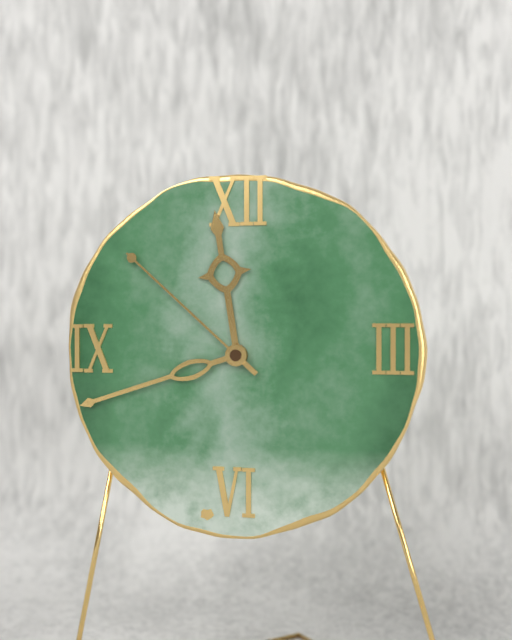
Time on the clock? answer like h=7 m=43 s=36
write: h=11 m=42 s=52
